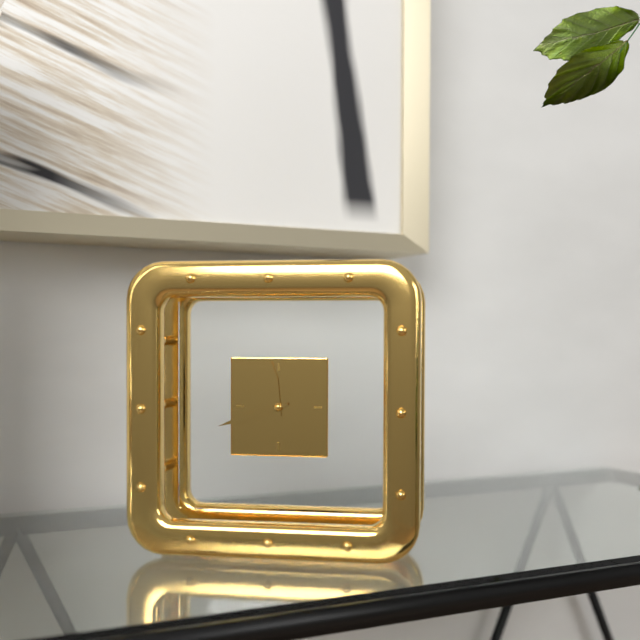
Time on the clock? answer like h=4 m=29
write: h=11 m=42
